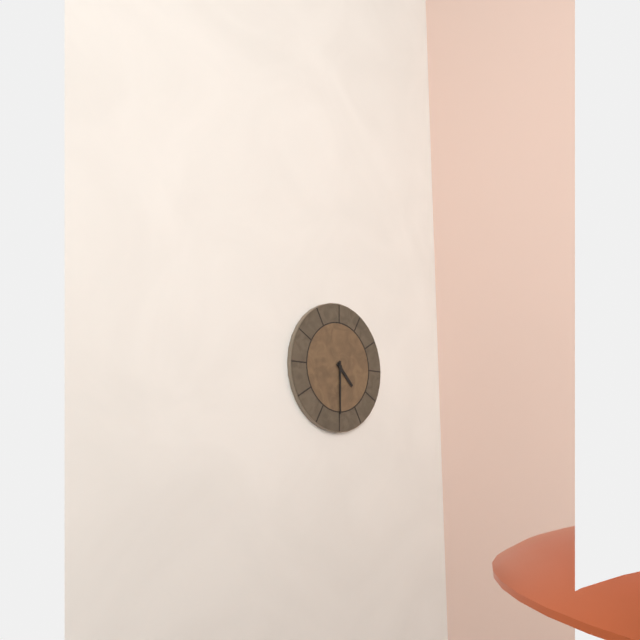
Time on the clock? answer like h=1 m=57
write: h=4 m=30
